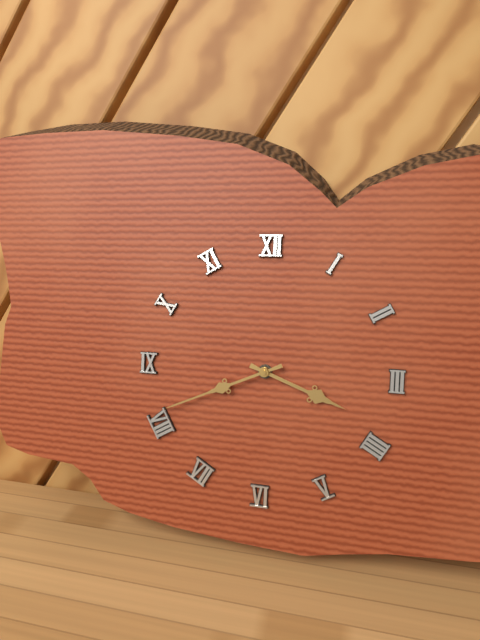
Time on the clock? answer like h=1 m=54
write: h=3 m=41
